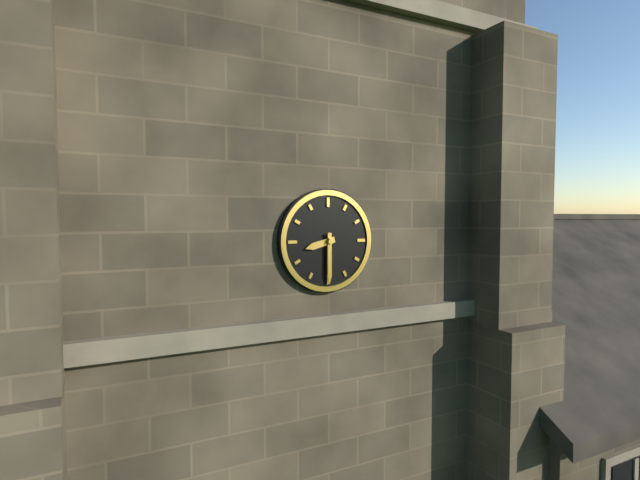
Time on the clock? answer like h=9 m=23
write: h=8 m=30
